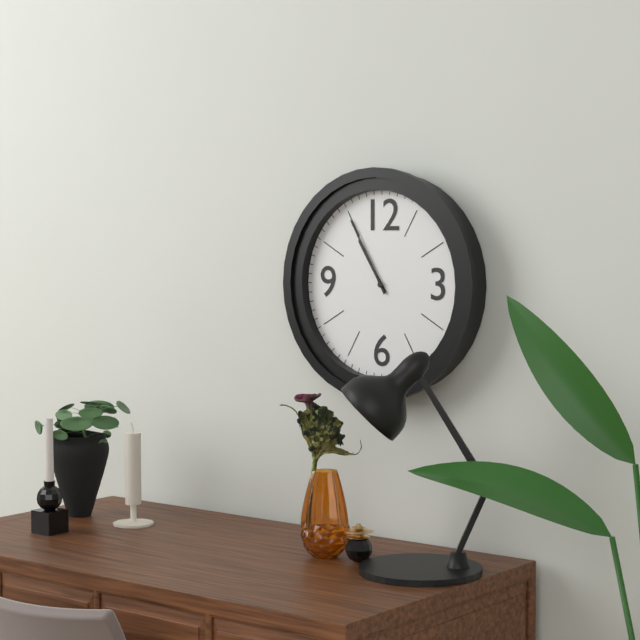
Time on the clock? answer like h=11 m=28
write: h=10 m=55
